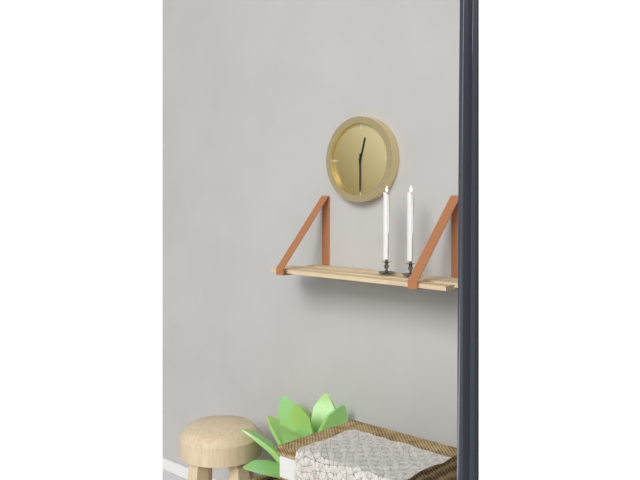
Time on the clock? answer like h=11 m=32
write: h=12 m=30
